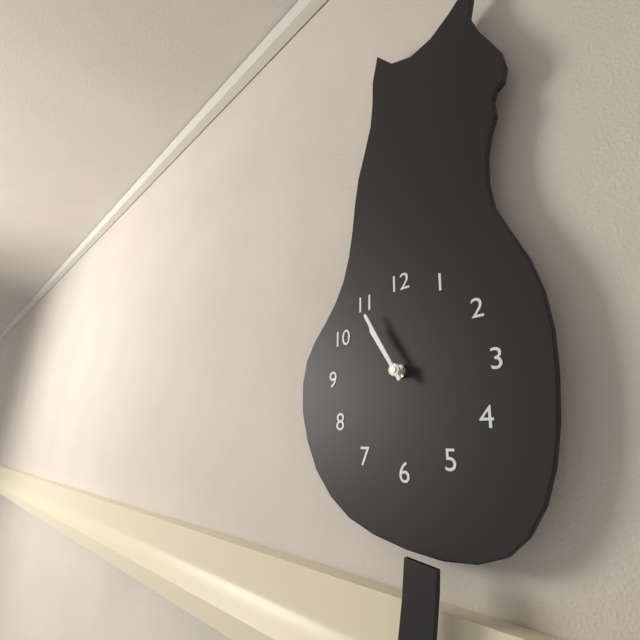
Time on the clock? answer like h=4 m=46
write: h=10 m=55
